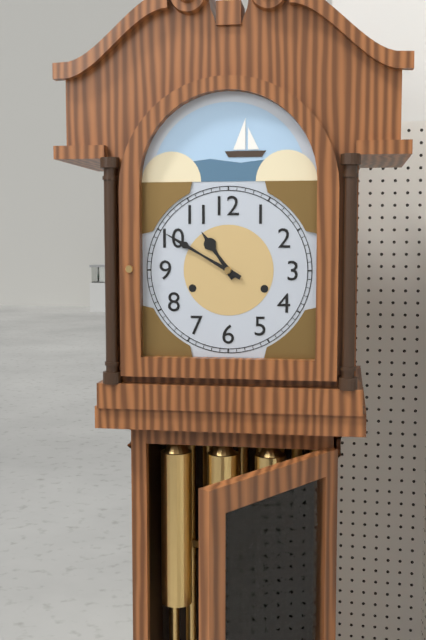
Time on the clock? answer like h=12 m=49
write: h=10 m=50
